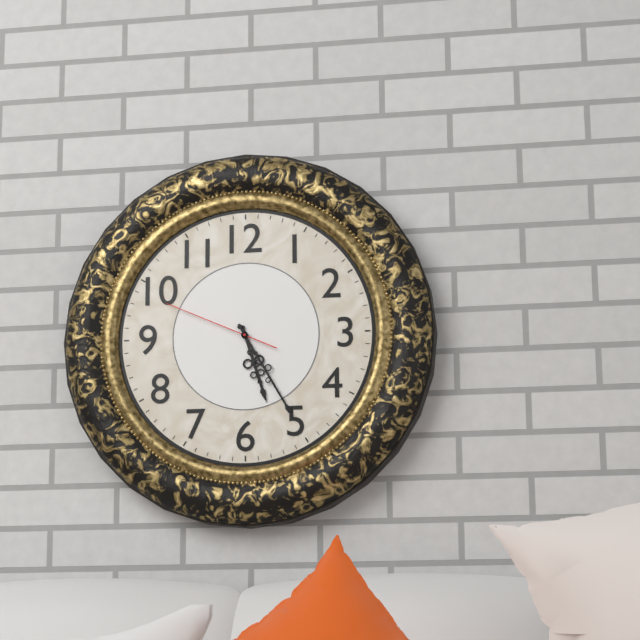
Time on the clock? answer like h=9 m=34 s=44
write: h=5 m=25 s=49
